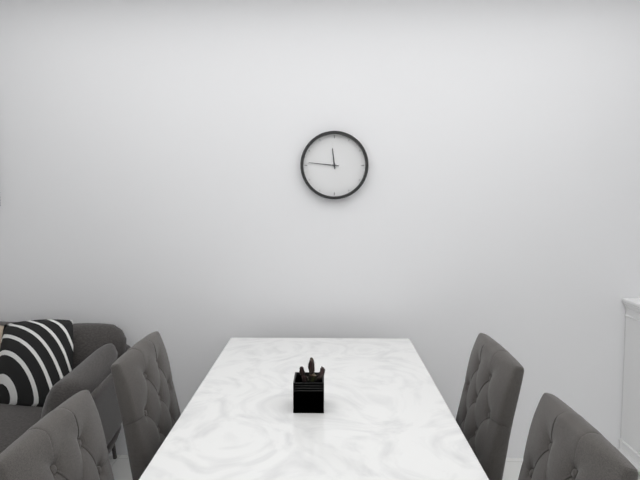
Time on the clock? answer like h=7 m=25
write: h=11 m=46
